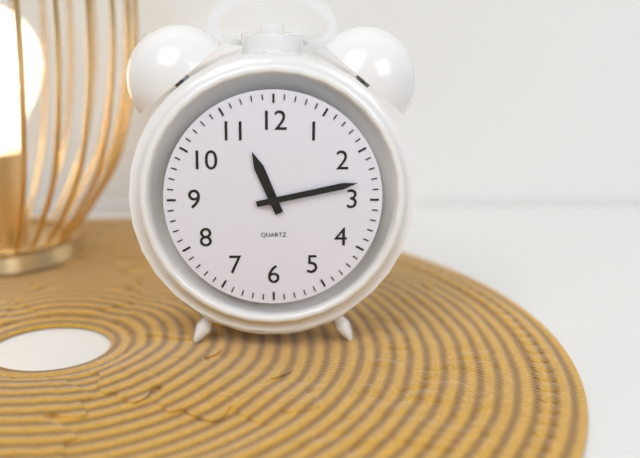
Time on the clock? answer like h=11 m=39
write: h=11 m=13
